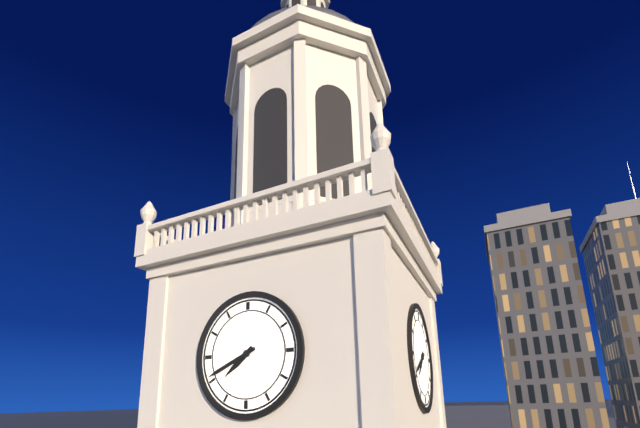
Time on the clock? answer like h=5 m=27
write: h=7 m=41
